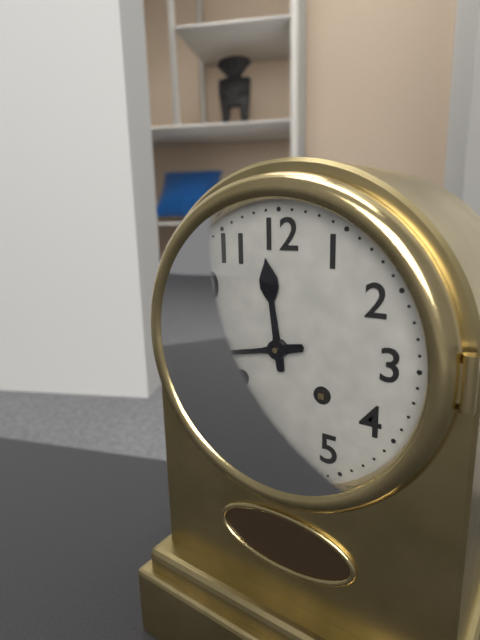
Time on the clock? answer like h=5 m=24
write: h=11 m=43
